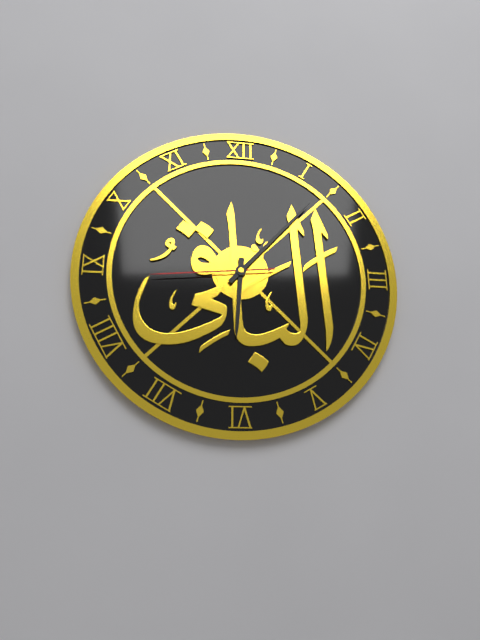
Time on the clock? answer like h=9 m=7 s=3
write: h=6 m=7 s=44
